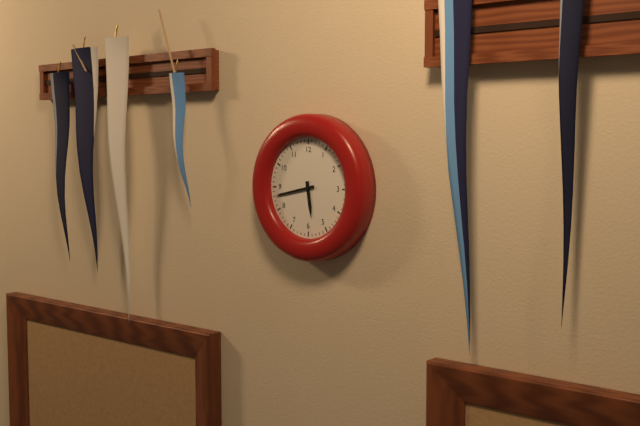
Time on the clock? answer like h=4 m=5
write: h=5 m=43
